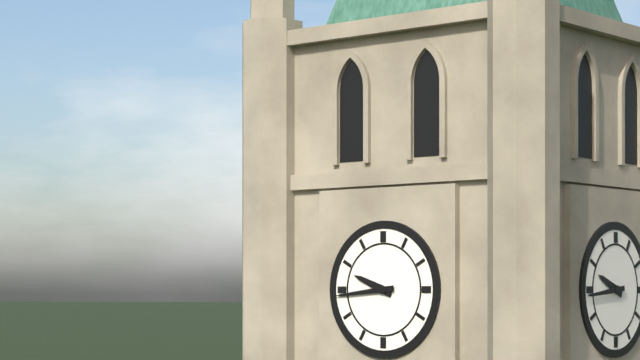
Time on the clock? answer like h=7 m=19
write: h=9 m=44
